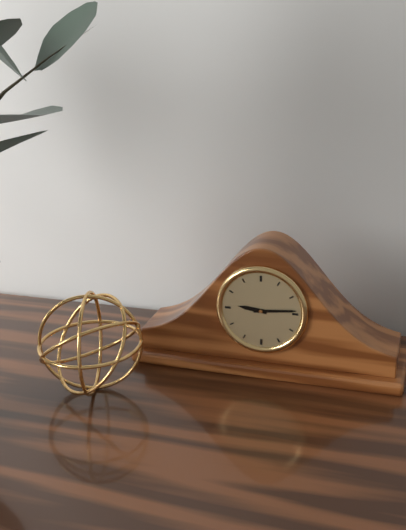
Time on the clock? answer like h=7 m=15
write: h=9 m=14
